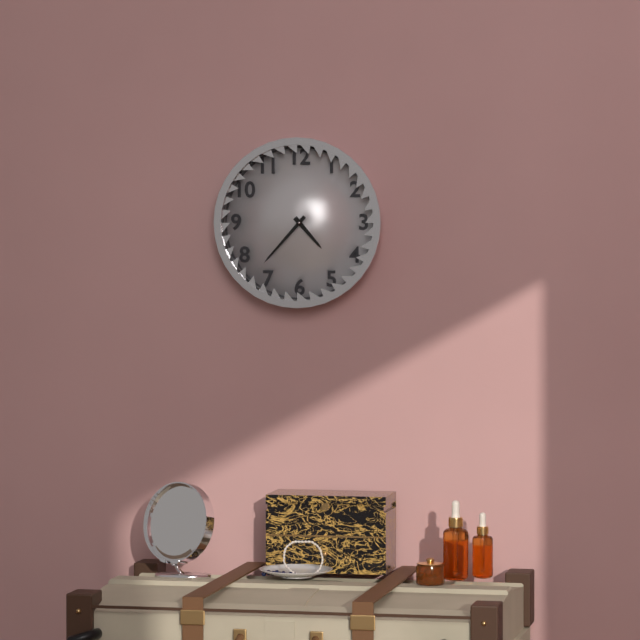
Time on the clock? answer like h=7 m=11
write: h=4 m=37
